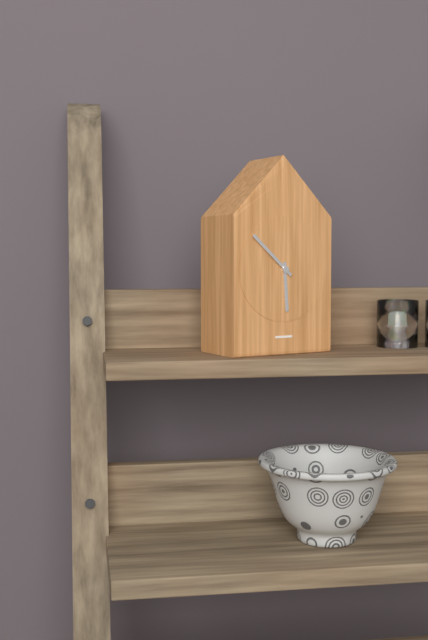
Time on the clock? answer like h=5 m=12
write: h=5 m=52
